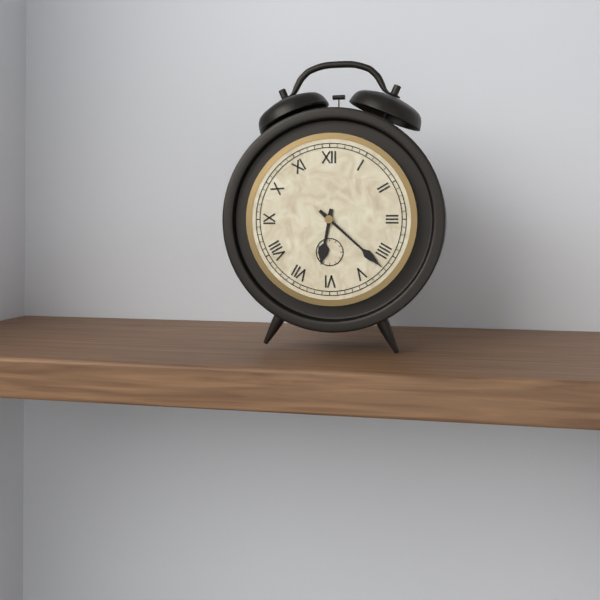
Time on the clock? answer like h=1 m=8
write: h=6 m=22
